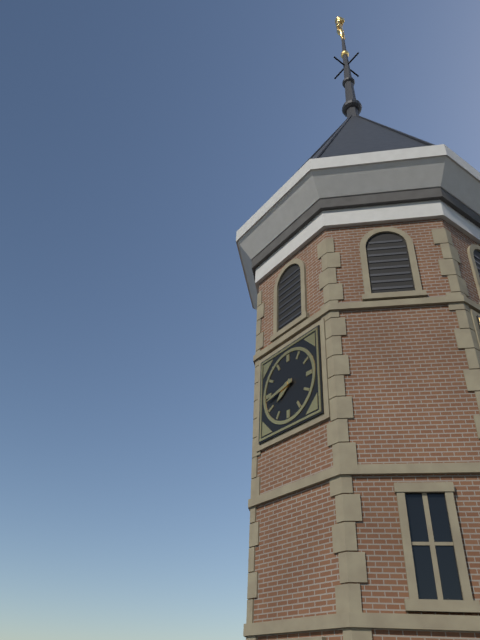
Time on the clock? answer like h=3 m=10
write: h=7 m=43
